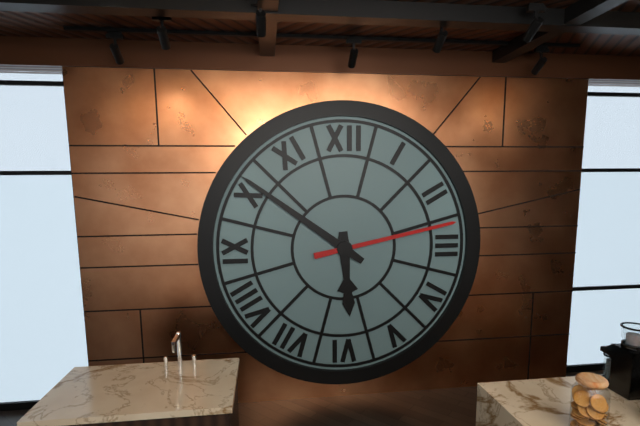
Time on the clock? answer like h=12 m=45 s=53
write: h=5 m=51 s=13
